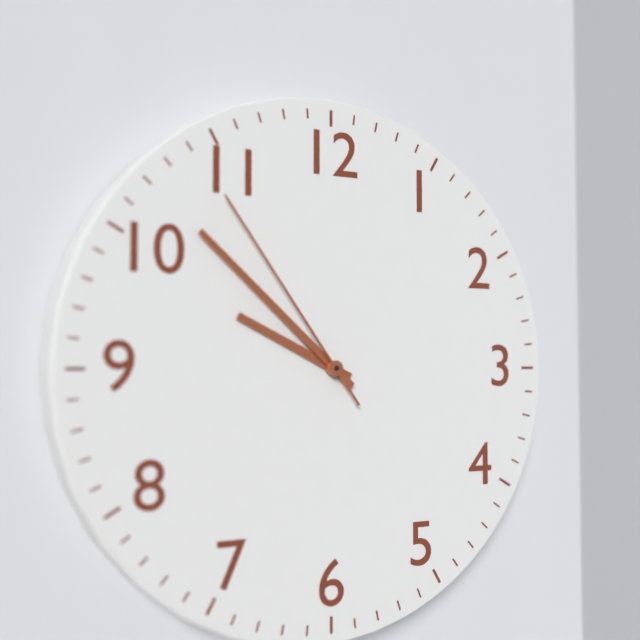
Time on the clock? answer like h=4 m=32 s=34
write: h=9 m=52 s=54
